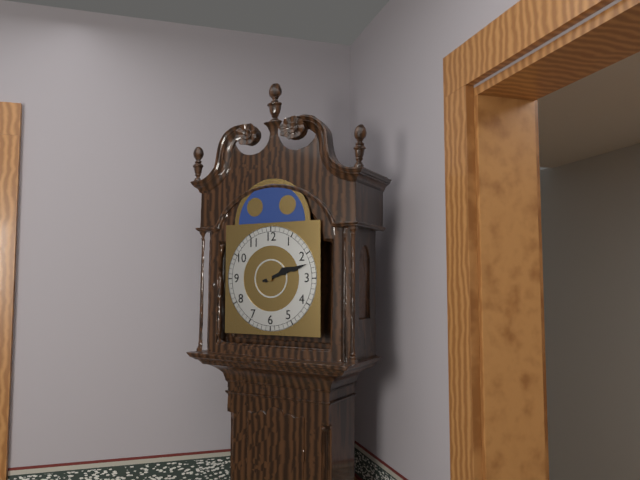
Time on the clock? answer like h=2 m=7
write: h=2 m=12
